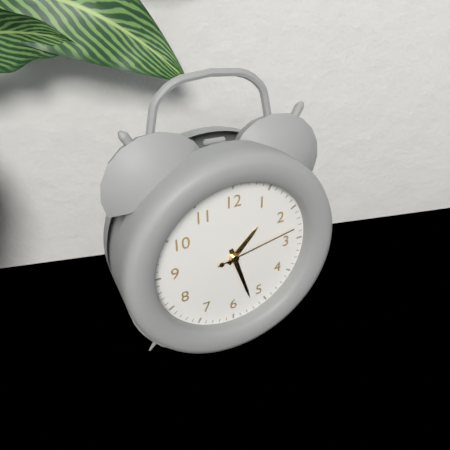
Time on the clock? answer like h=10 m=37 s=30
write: h=1 m=27 s=13
